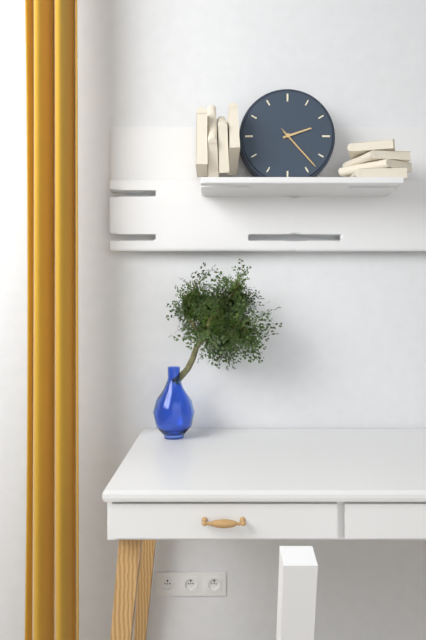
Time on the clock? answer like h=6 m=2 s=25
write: h=2 m=23 s=23
